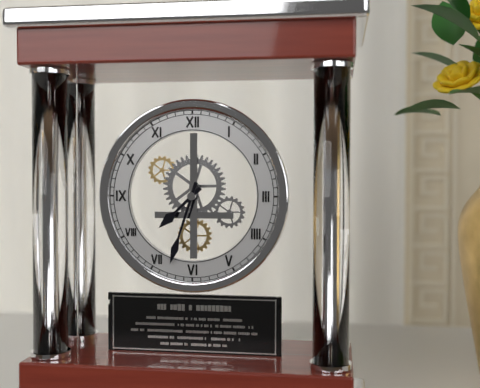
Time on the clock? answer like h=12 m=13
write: h=7 m=33
